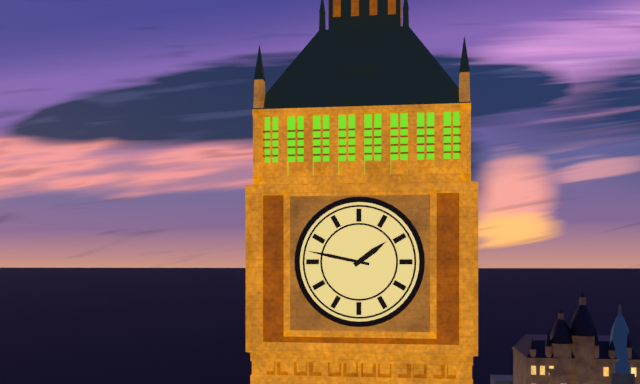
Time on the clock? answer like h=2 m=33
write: h=1 m=47
